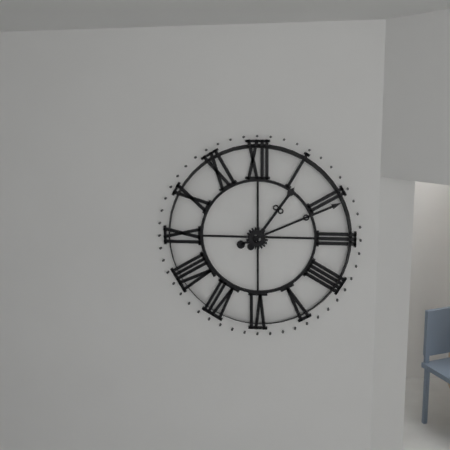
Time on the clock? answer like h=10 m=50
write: h=1 m=11
